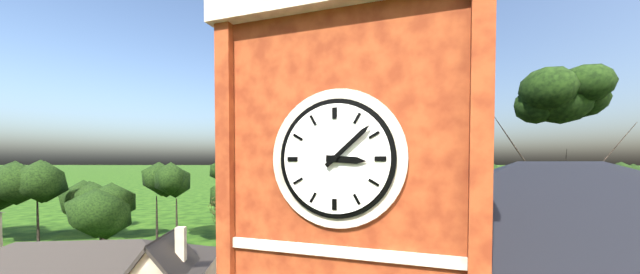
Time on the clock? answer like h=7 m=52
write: h=3 m=8
